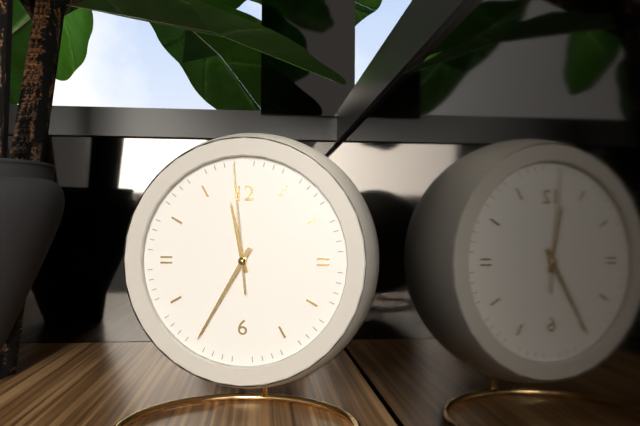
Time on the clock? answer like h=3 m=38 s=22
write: h=11 m=35 s=59
